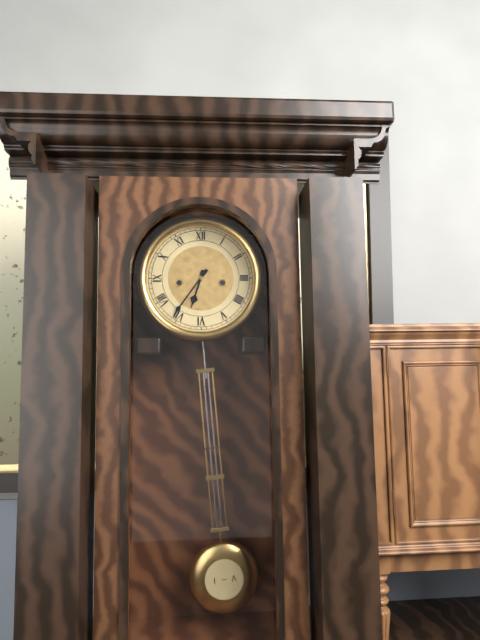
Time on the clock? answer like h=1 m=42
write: h=6 m=36
